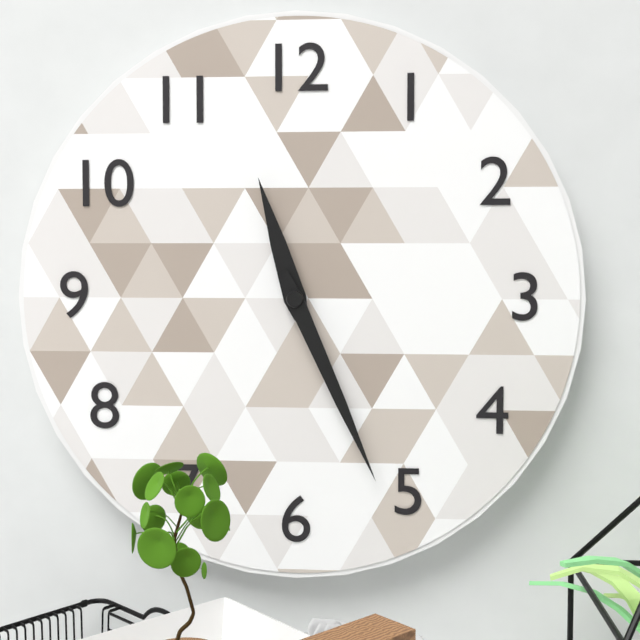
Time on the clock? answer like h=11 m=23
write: h=11 m=26
